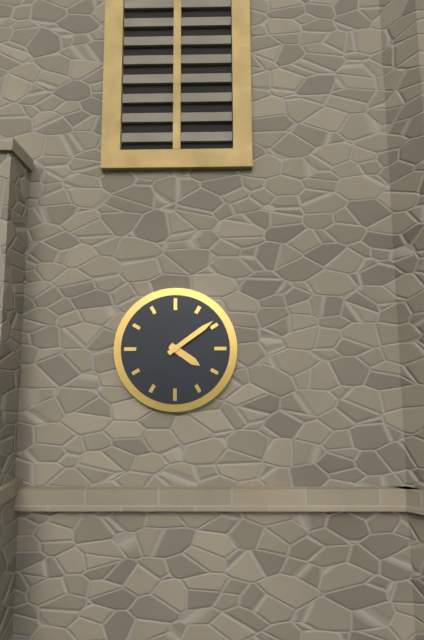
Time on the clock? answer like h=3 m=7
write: h=4 m=9
